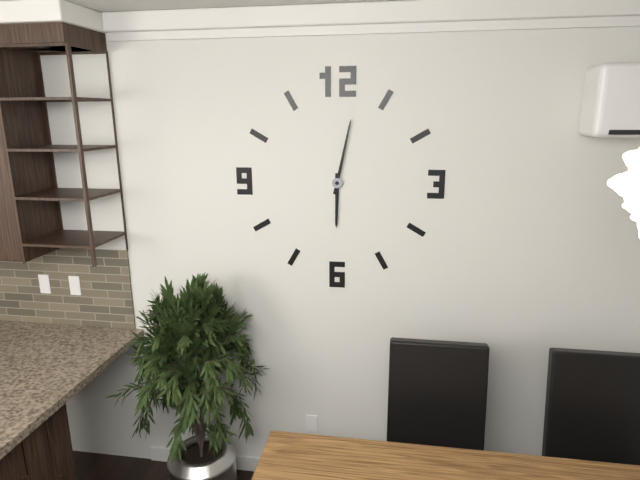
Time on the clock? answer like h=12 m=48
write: h=6 m=2
